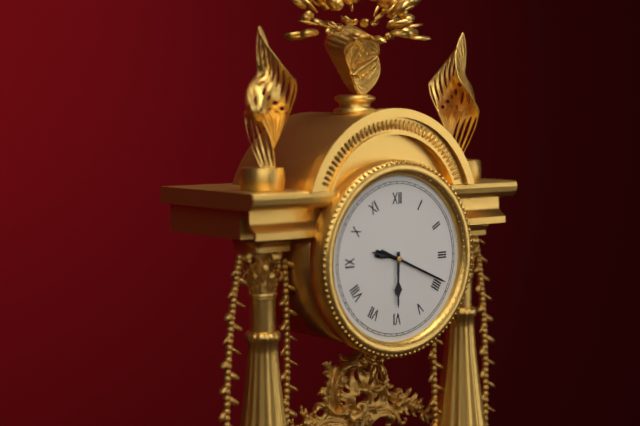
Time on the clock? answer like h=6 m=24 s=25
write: h=9 m=30 s=19
